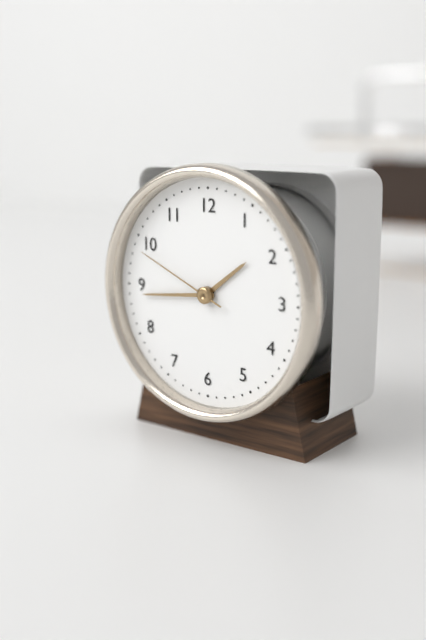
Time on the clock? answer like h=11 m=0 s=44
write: h=1 m=44 s=49
